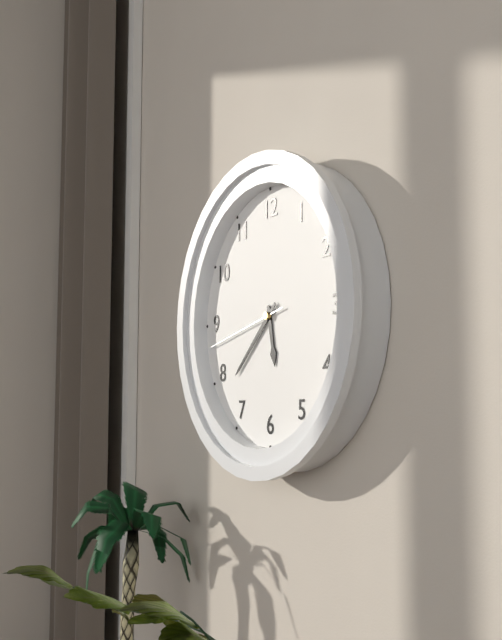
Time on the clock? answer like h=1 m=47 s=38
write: h=5 m=38 s=43
